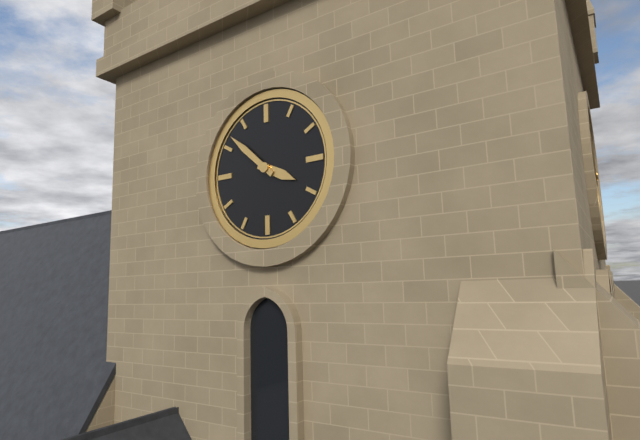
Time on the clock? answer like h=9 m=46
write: h=3 m=52
